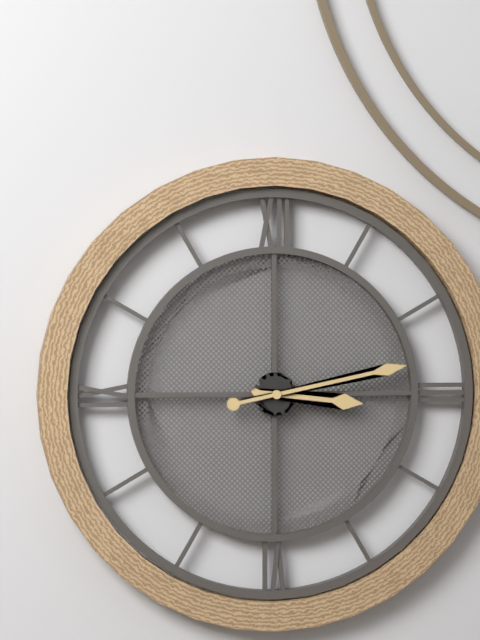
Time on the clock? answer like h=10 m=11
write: h=3 m=13
